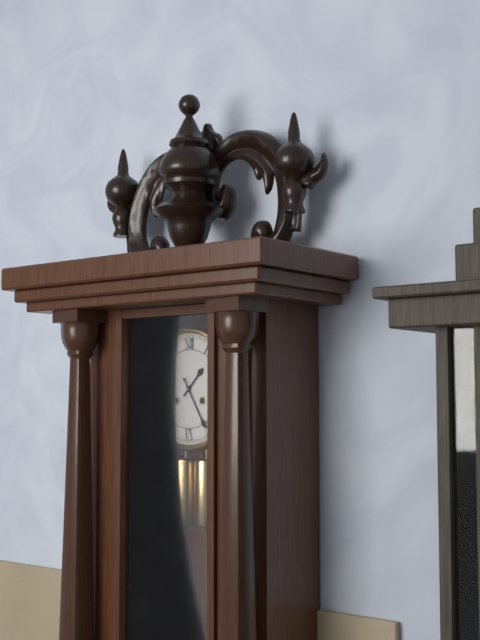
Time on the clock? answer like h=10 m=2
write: h=1 m=25
